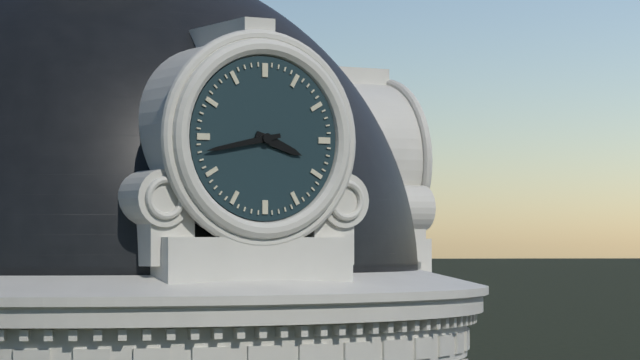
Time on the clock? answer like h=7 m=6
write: h=3 m=43
